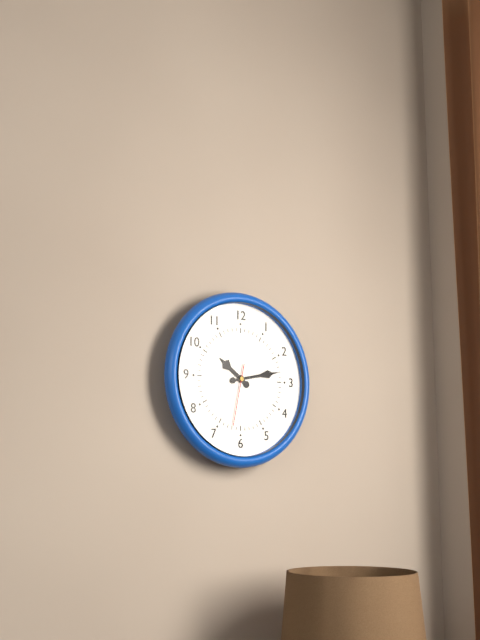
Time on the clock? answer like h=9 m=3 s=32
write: h=10 m=13 s=32
